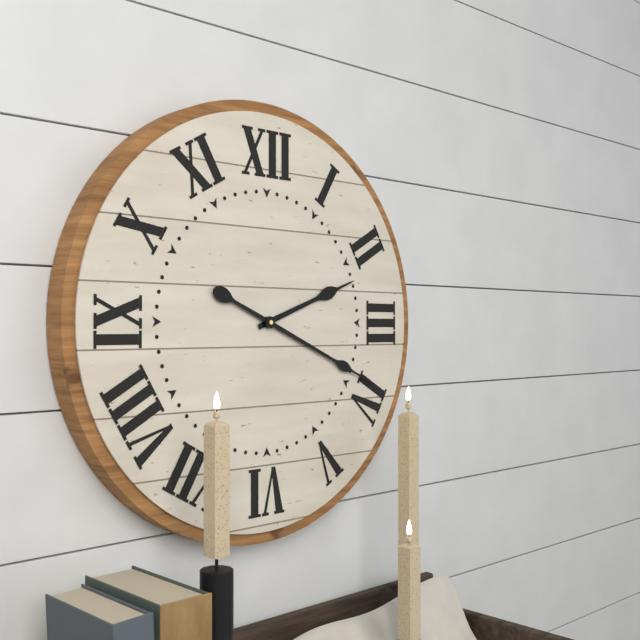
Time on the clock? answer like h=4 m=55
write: h=2 m=19
